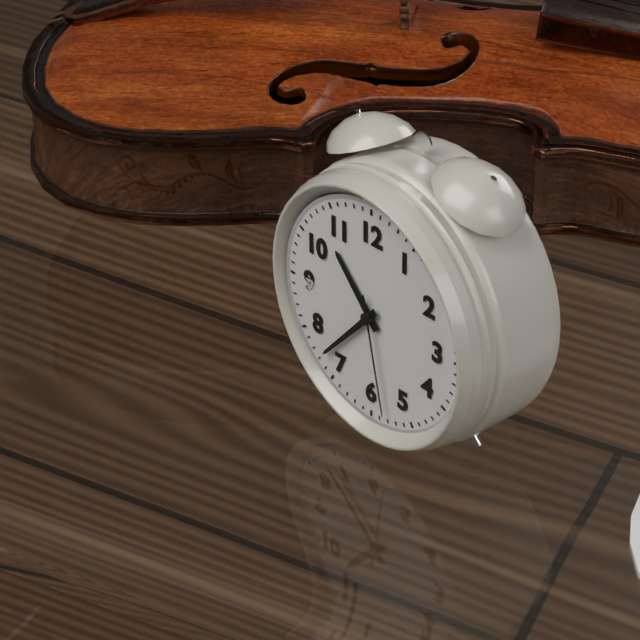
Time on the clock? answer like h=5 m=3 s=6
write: h=10 m=37 s=28
